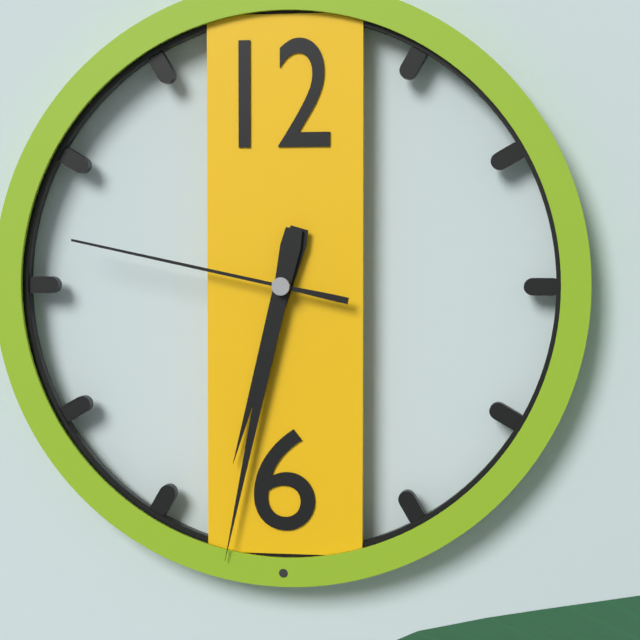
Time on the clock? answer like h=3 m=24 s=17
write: h=6 m=32 s=47
